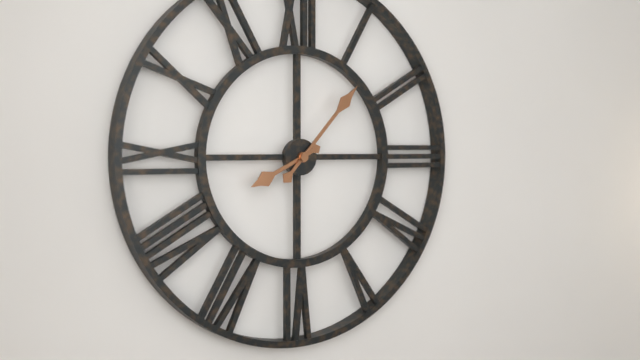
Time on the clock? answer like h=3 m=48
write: h=8 m=7
